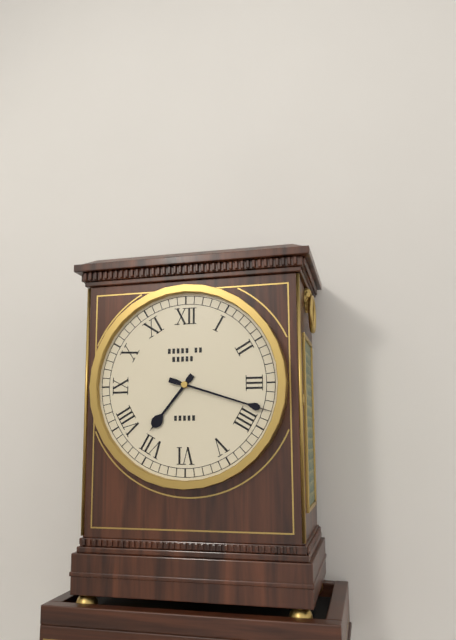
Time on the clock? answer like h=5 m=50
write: h=7 m=18
